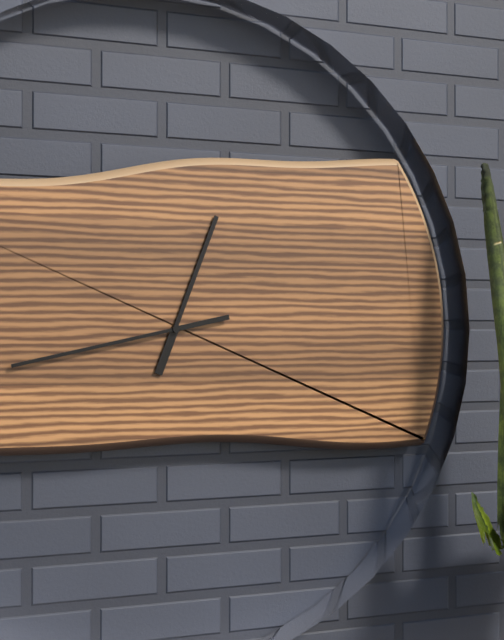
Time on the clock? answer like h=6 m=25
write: h=12 m=43
